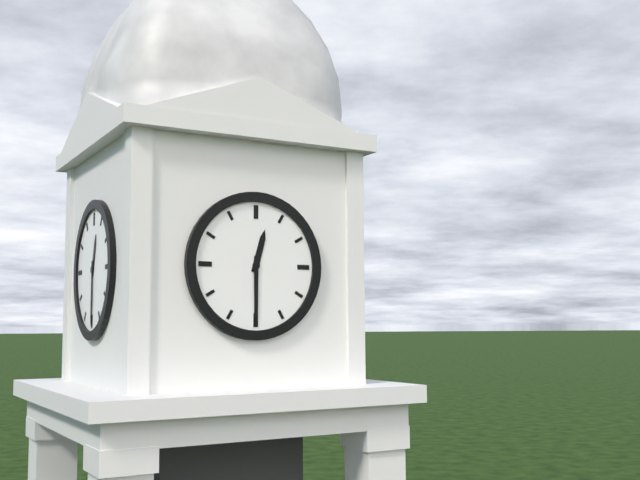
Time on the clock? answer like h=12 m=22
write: h=12 m=30
